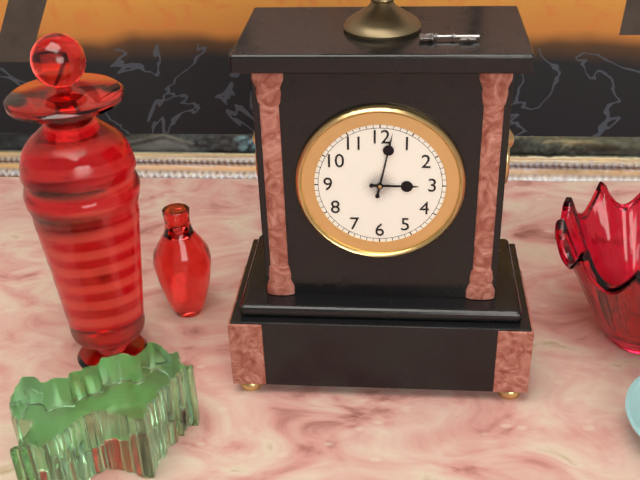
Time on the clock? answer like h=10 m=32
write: h=3 m=2
